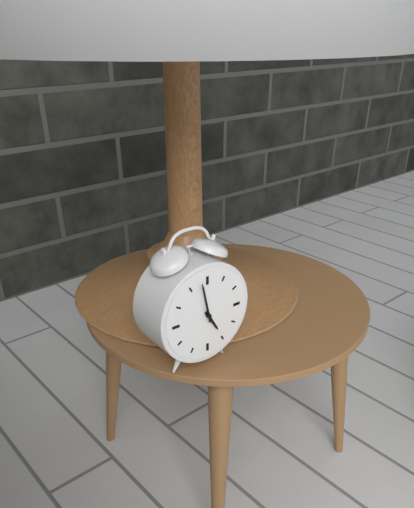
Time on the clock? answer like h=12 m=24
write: h=4 m=58
